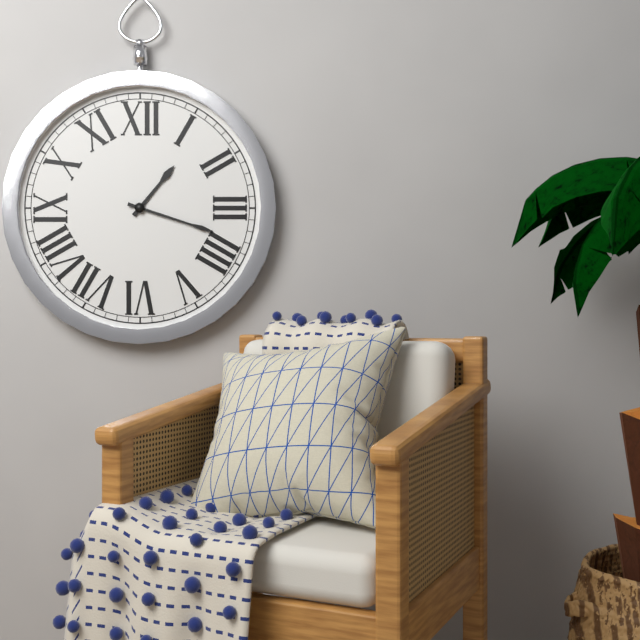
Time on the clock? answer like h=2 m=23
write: h=1 m=18
